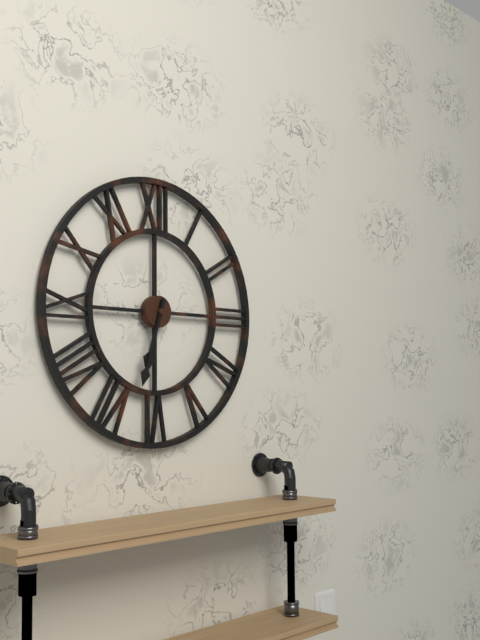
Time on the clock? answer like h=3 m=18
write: h=6 m=33
